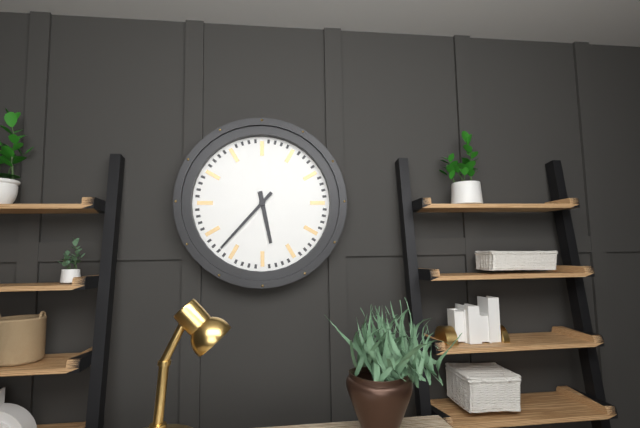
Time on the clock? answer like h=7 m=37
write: h=5 m=37
